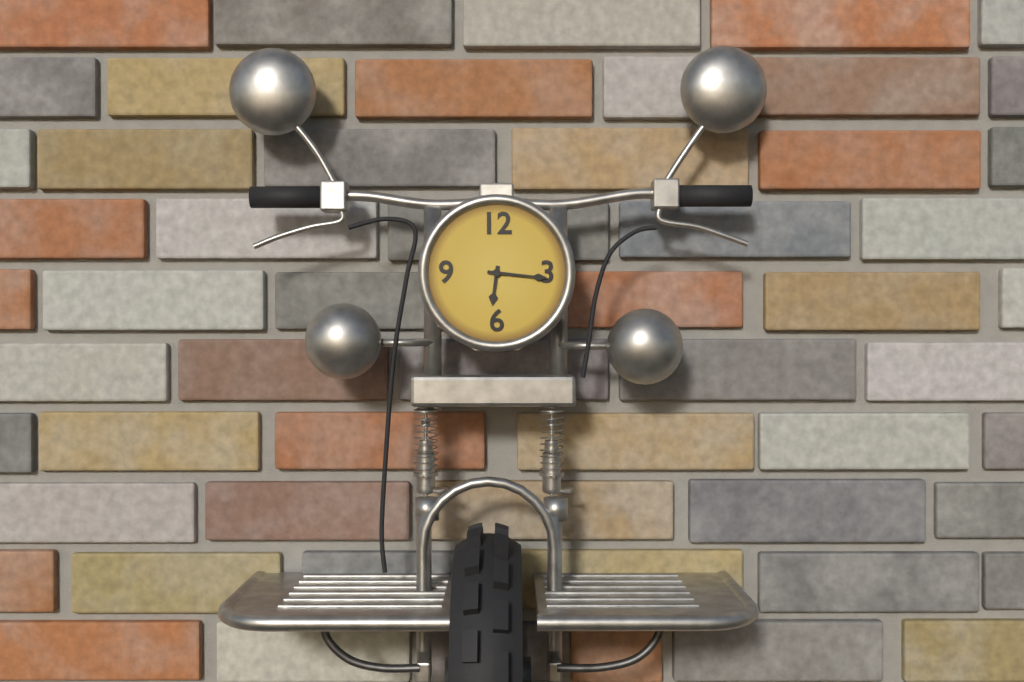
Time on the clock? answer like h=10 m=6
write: h=6 m=16
